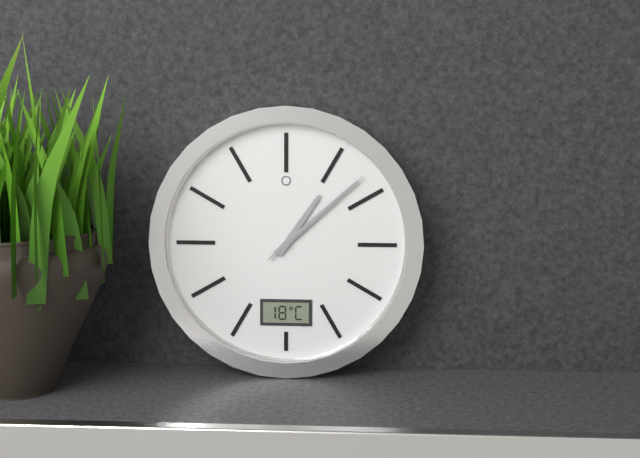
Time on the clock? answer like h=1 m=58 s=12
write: h=1 m=8 s=8
